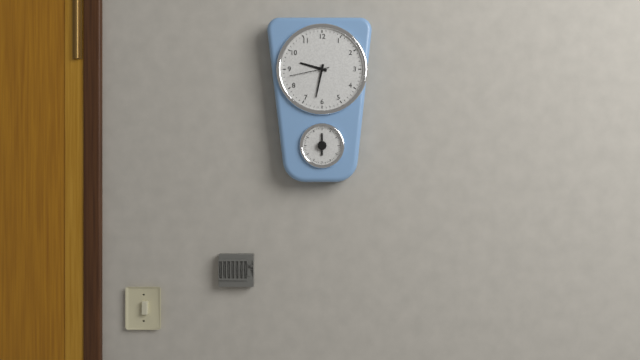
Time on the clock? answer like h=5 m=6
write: h=9 m=32
